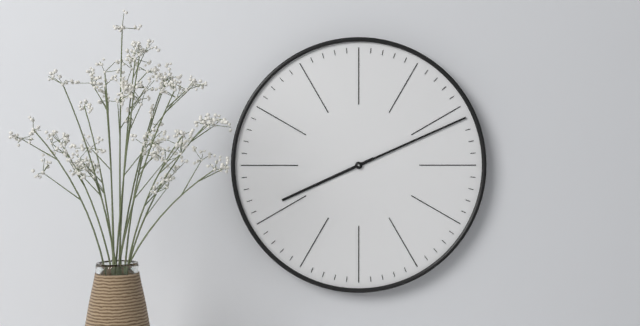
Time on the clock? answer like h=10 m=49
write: h=8 m=11
